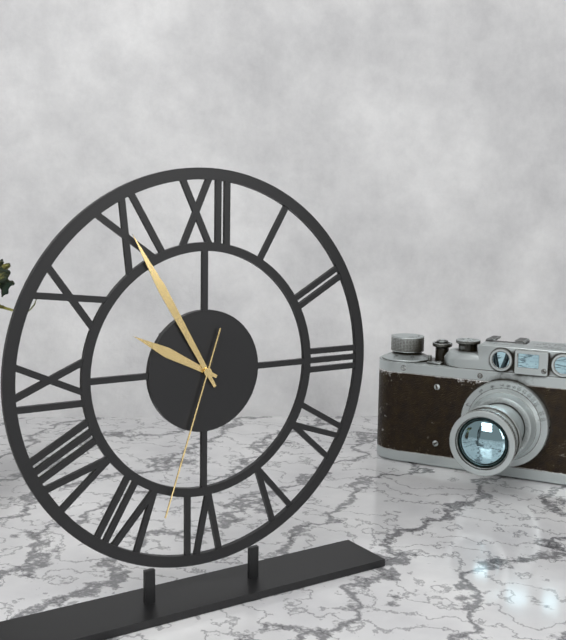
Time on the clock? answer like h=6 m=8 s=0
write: h=9 m=55 s=33
